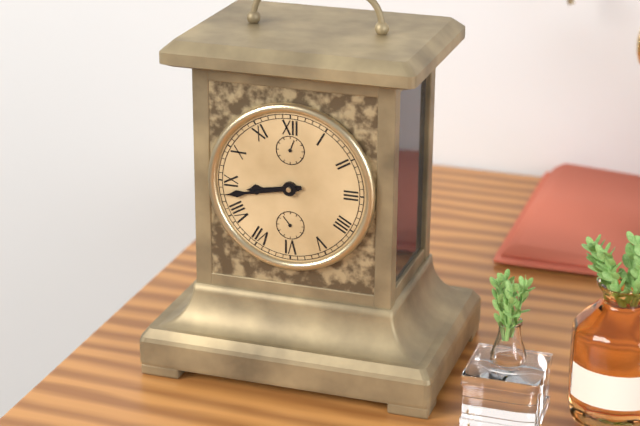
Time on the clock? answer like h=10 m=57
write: h=8 m=43
